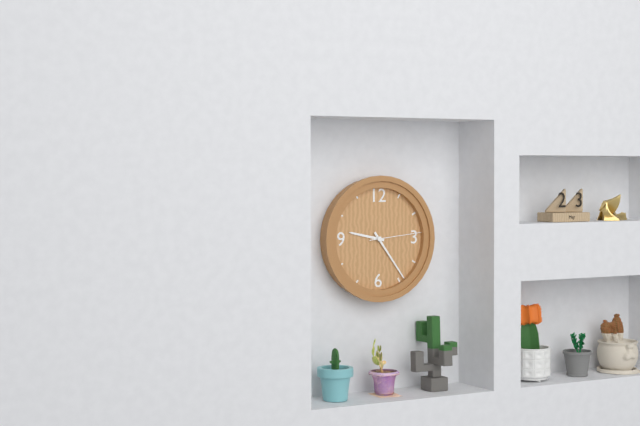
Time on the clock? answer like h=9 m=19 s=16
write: h=9 m=24 s=14
